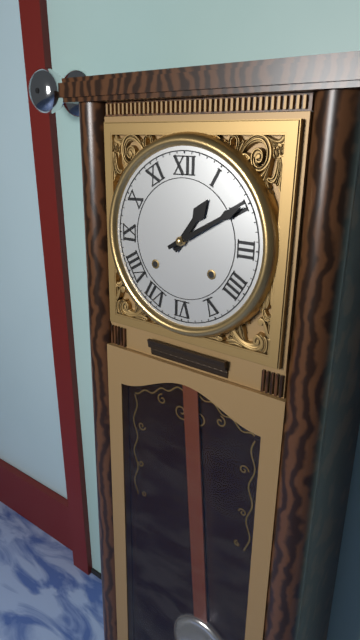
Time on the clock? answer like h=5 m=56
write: h=1 m=10
